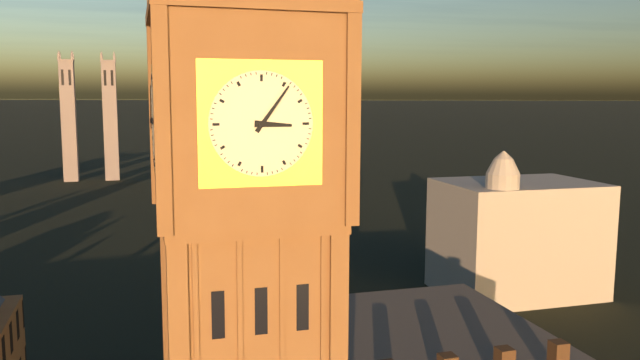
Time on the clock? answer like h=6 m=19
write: h=3 m=6
